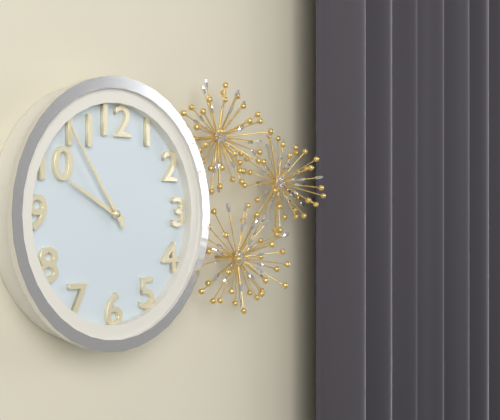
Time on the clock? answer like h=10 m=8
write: h=9 m=54
